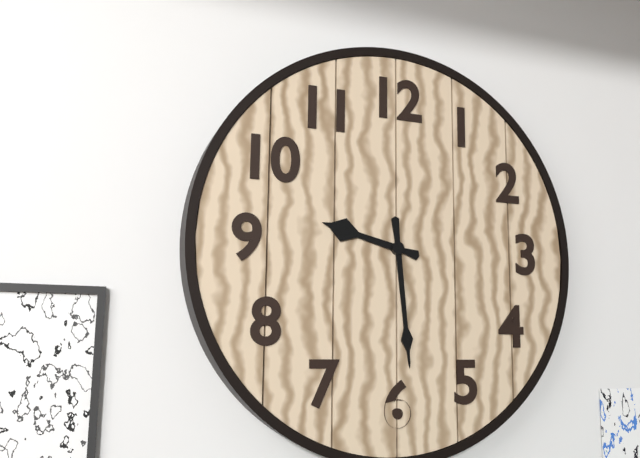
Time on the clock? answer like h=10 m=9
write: h=9 m=29
